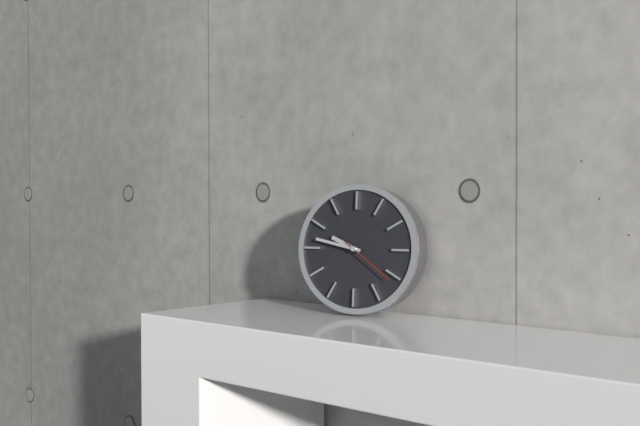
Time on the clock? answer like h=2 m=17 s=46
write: h=9 m=47 s=21
